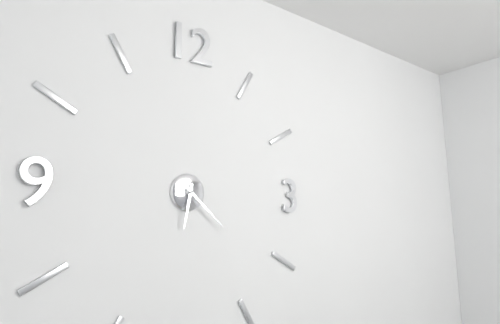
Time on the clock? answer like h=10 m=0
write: h=6 m=22
